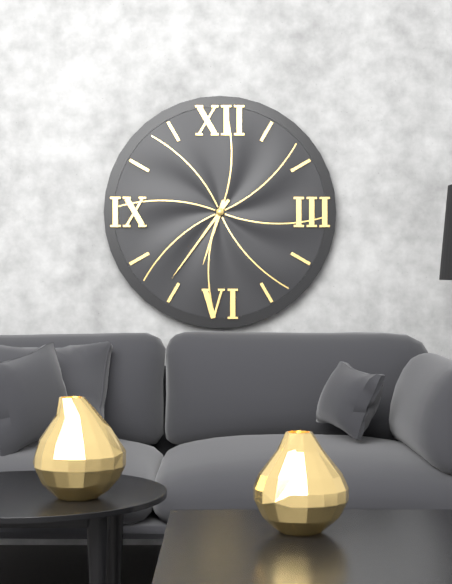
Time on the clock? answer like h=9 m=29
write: h=6 m=36
